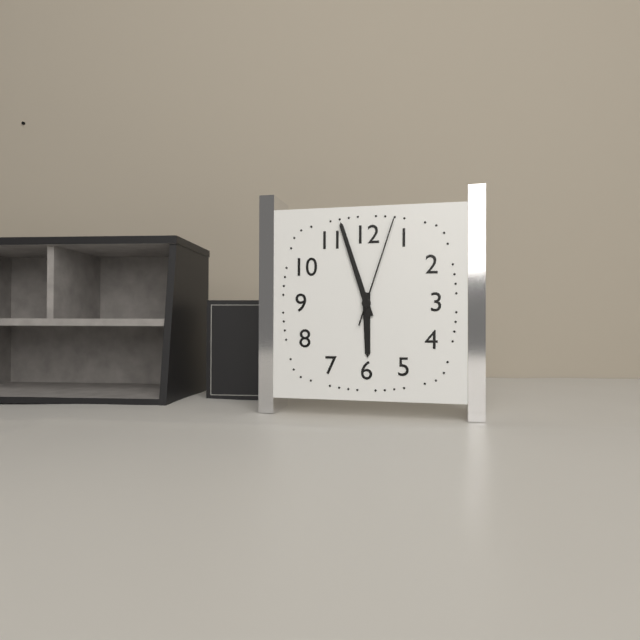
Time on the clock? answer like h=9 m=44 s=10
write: h=5 m=57 s=3
